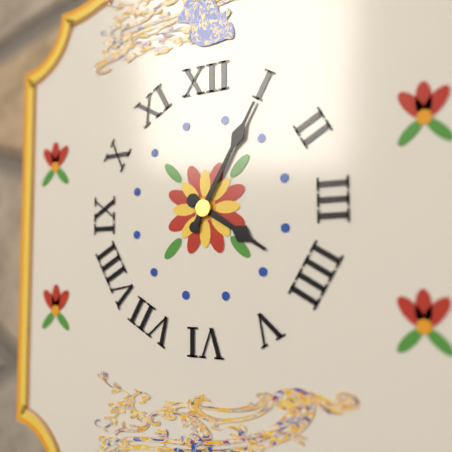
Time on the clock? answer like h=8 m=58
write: h=4 m=5
